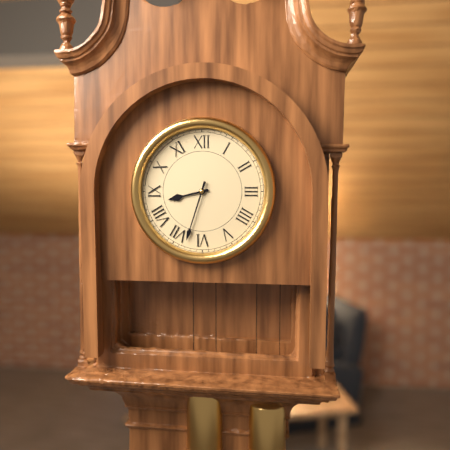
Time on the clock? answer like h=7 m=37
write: h=8 m=33
